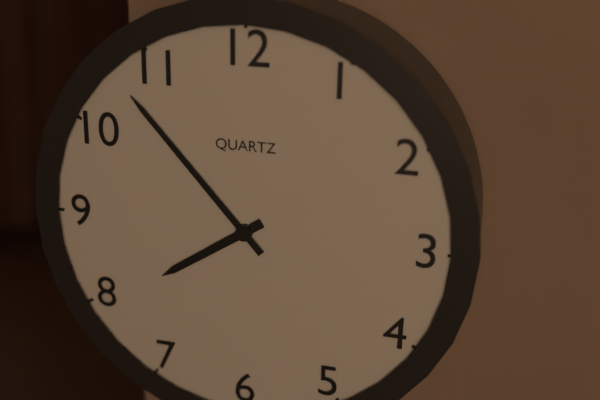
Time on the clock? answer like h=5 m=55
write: h=7 m=53
